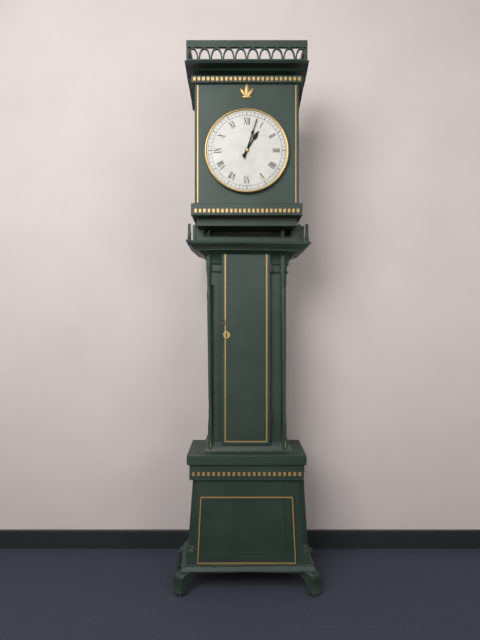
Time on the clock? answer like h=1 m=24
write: h=1 m=3
